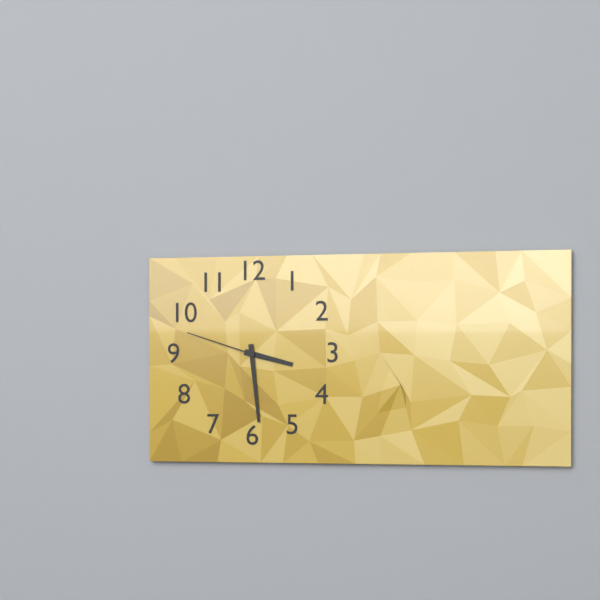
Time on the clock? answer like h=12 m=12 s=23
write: h=3 m=29 s=48
